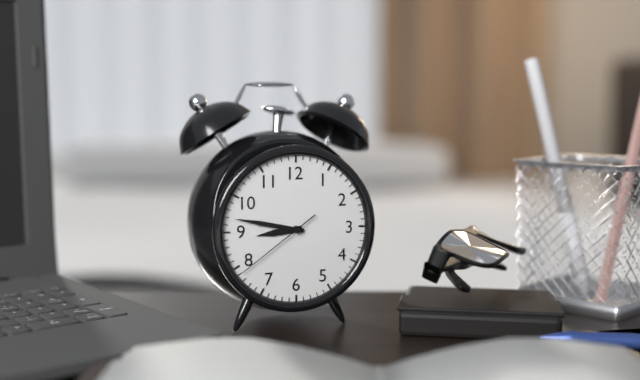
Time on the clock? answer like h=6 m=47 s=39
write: h=8 m=47 s=39
